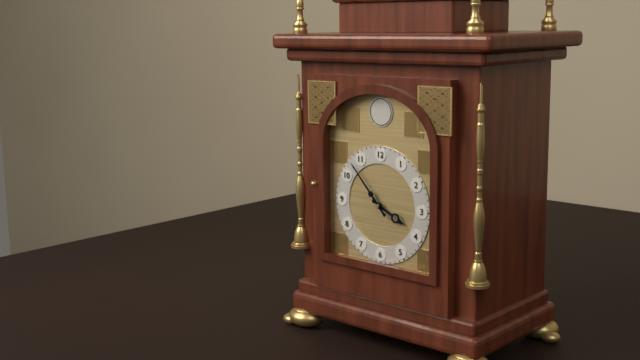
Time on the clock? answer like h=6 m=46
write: h=3 m=53
